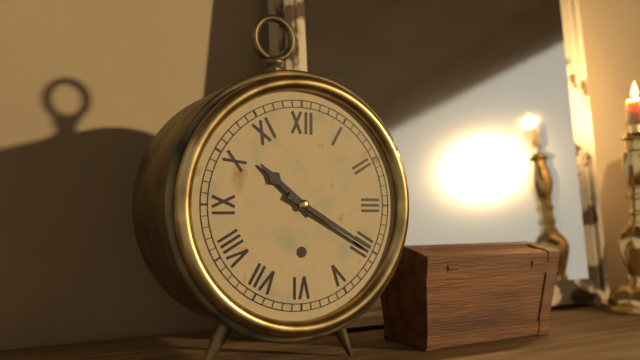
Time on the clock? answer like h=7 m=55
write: h=10 m=20
